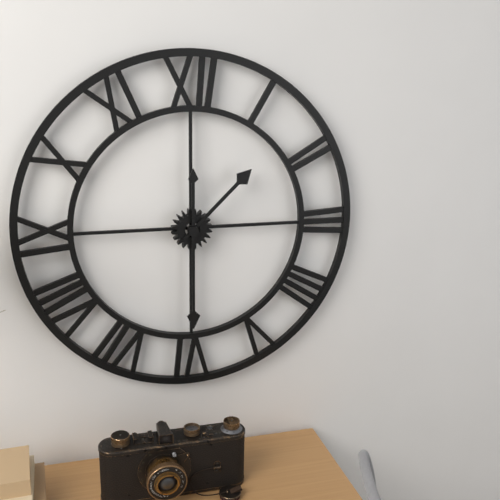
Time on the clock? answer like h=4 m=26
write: h=1 m=30
